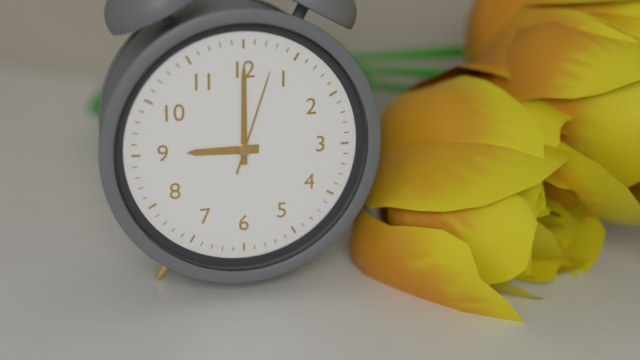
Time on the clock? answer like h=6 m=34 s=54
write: h=9 m=0 s=3
